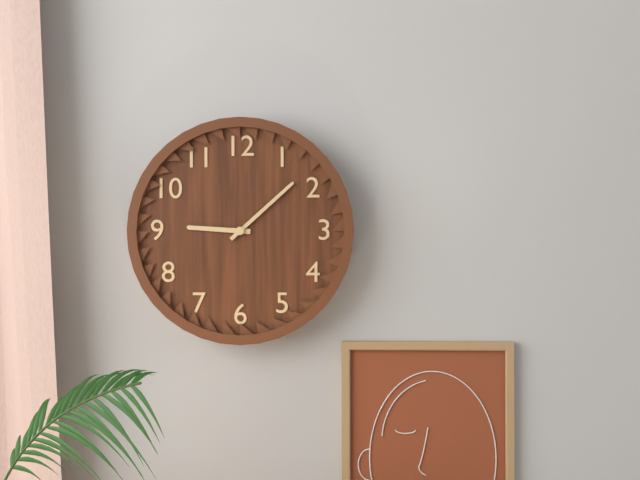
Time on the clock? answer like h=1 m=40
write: h=9 m=8
